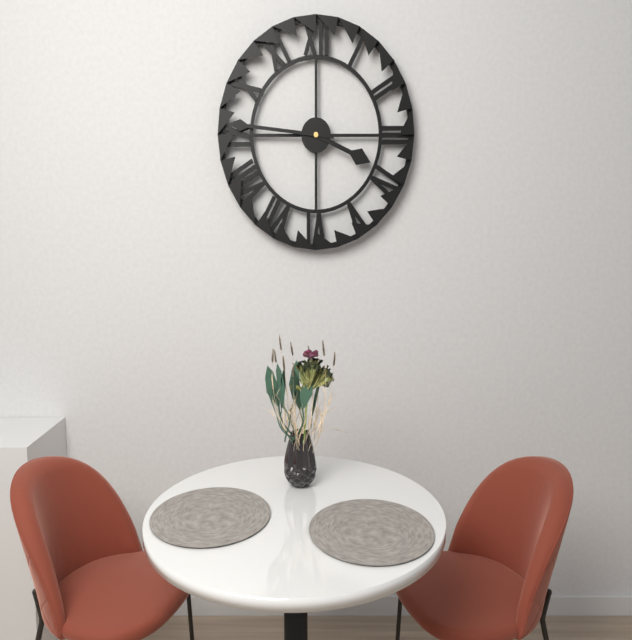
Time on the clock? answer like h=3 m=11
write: h=3 m=46
